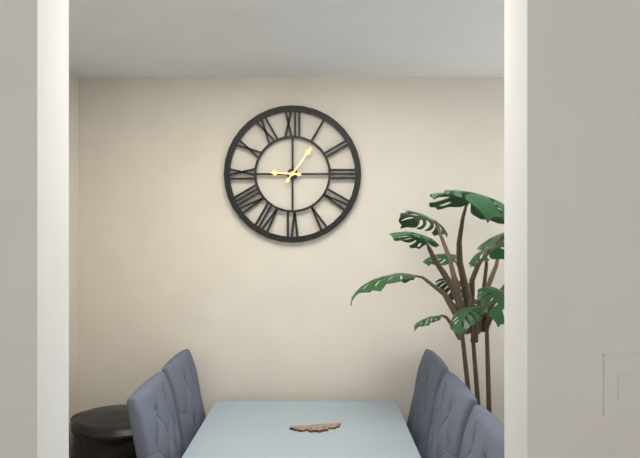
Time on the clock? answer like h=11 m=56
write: h=9 m=6
